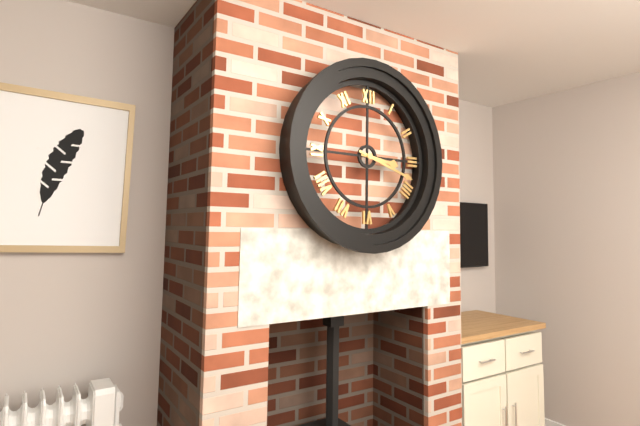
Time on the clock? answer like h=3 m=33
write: h=3 m=18
